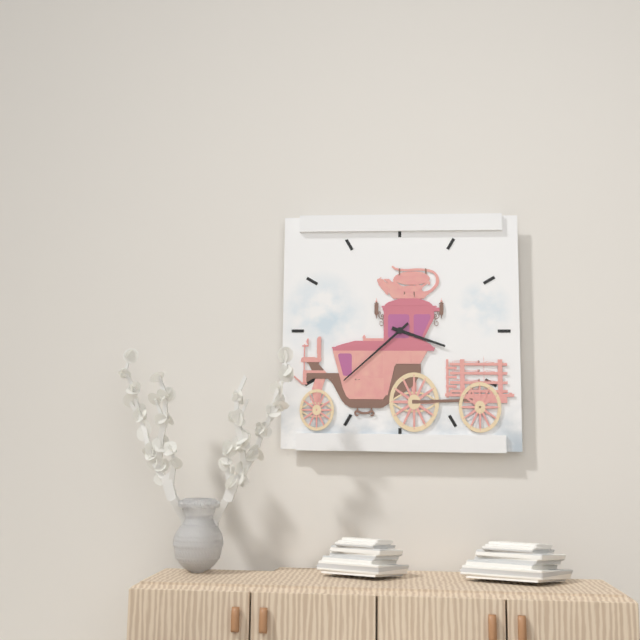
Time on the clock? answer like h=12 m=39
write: h=3 m=38
